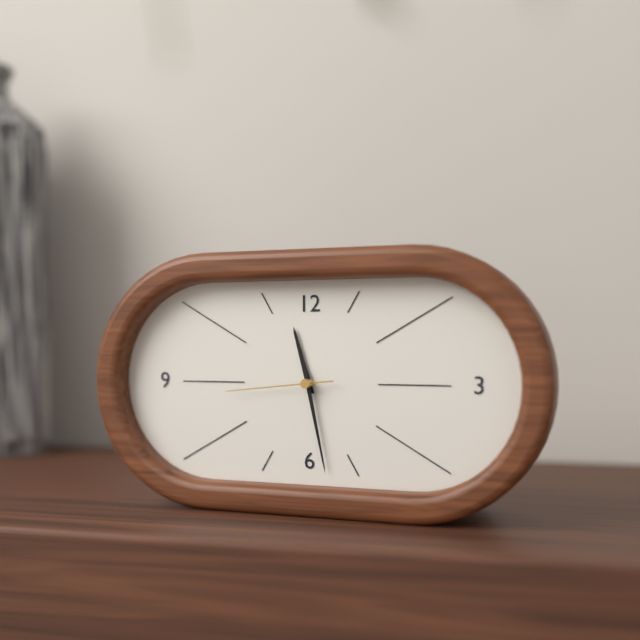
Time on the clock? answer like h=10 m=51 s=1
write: h=11 m=28 s=44
